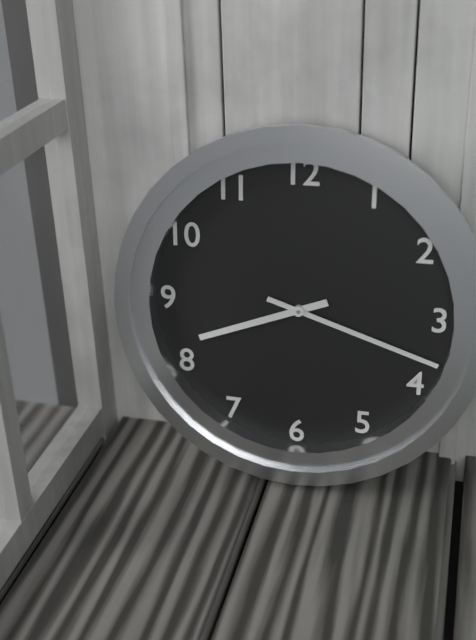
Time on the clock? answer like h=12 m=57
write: h=8 m=18
